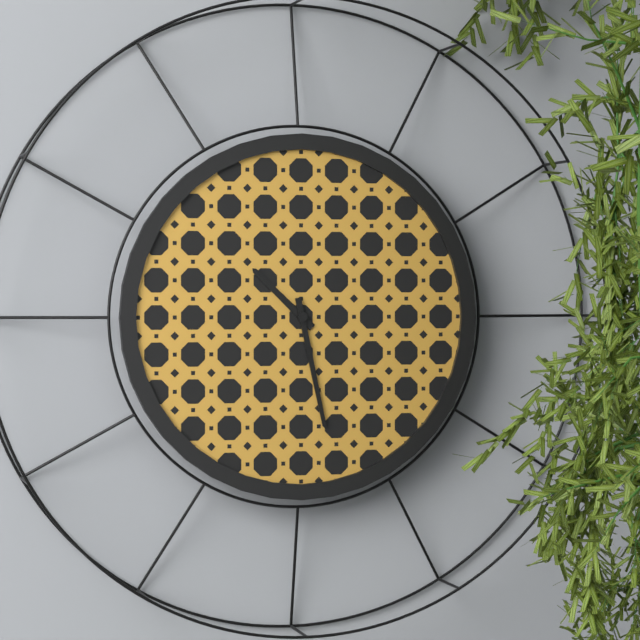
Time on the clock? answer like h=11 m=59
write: h=10 m=28
